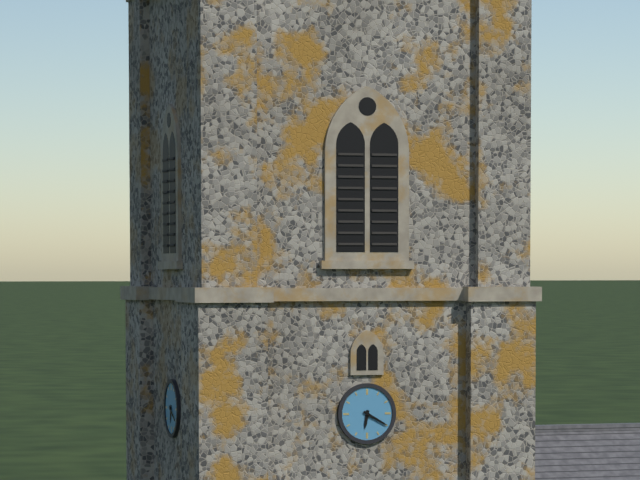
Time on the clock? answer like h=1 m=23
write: h=6 m=20
